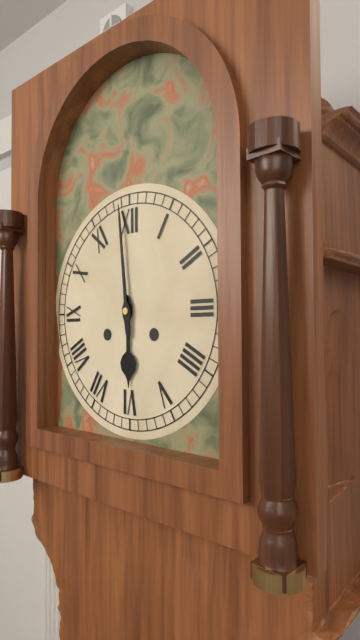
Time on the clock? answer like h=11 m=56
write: h=5 m=59
